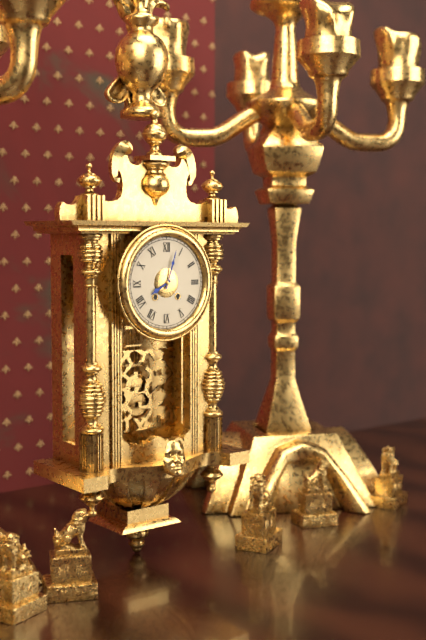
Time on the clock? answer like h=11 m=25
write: h=8 m=3
